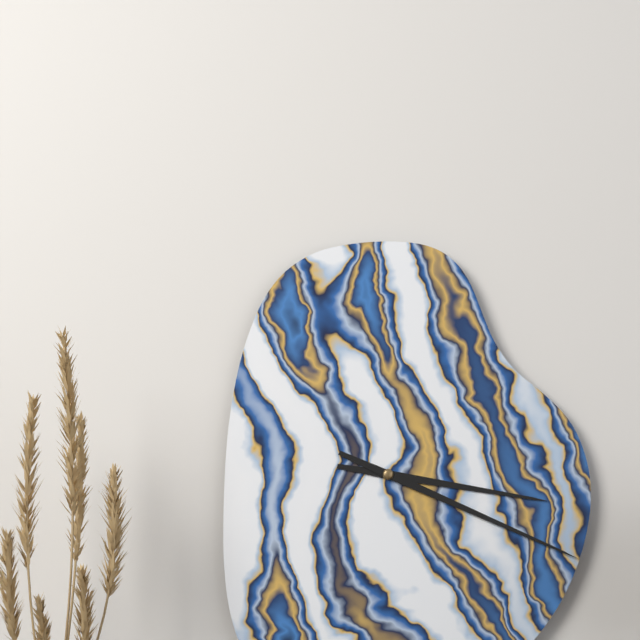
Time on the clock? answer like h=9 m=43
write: h=3 m=19
